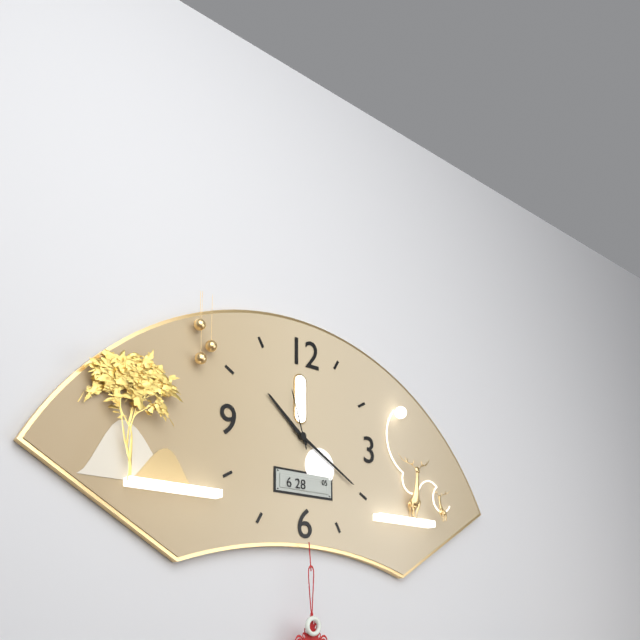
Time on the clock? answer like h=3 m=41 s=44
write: h=10 m=20 s=57
